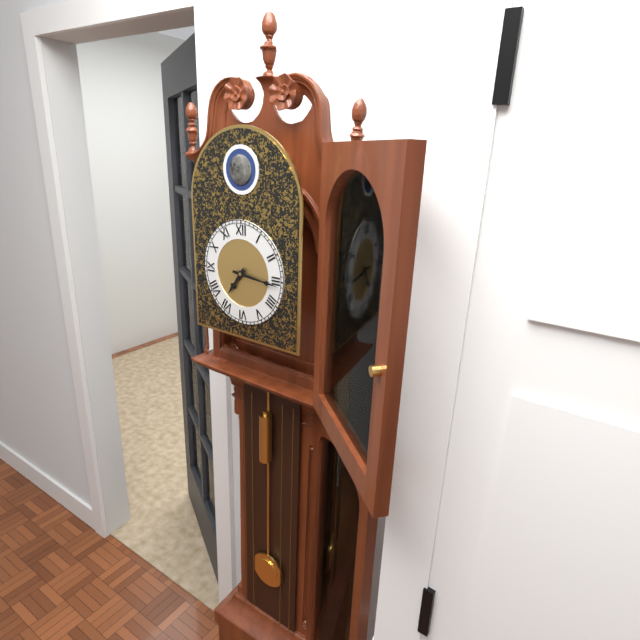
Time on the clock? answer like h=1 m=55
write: h=7 m=16
